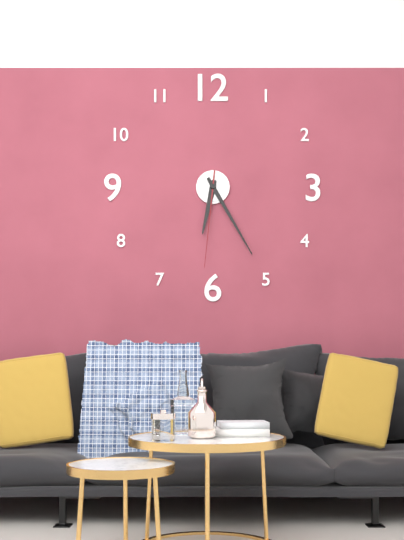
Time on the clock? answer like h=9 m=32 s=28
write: h=6 m=25 s=31
